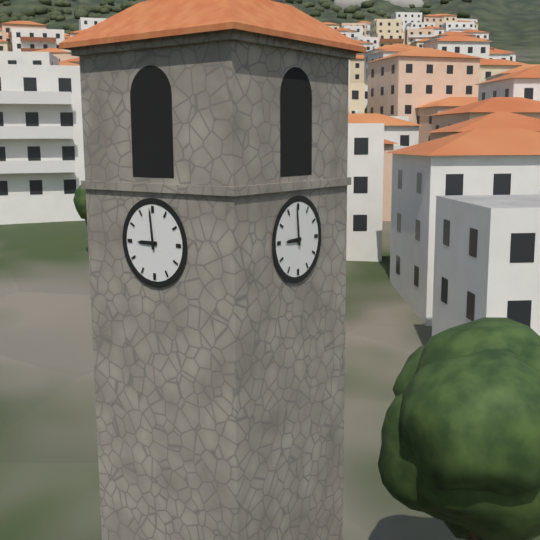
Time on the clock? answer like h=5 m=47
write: h=8 m=59
